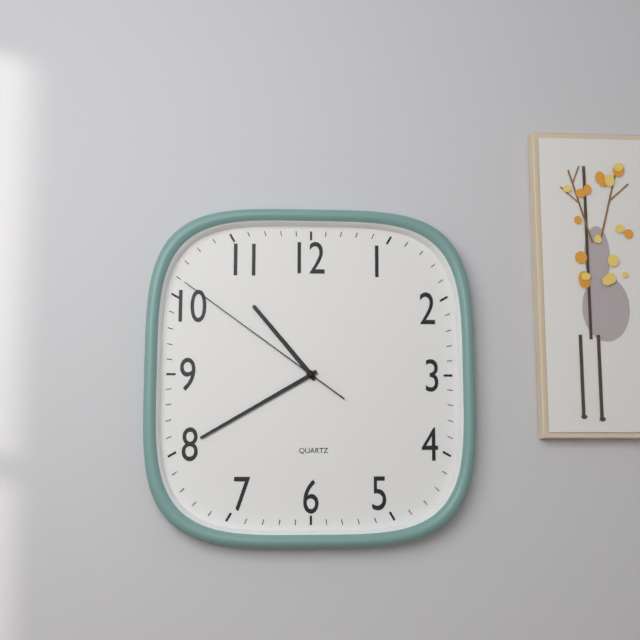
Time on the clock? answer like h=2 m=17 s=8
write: h=10 m=40 s=51
